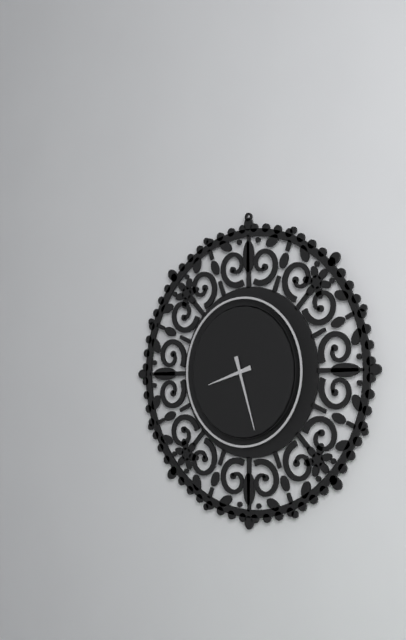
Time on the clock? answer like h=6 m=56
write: h=8 m=27
